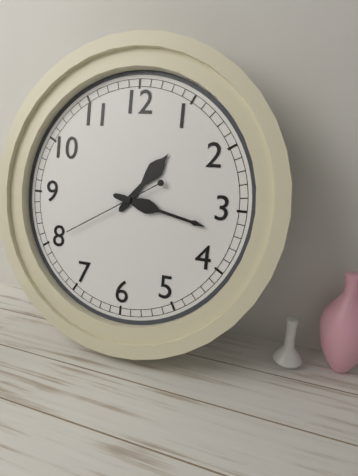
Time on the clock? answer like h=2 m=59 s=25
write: h=1 m=17 s=40
